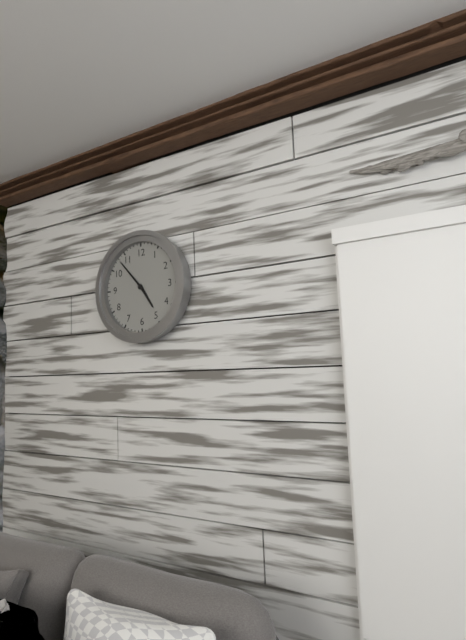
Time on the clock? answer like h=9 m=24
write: h=4 m=53
